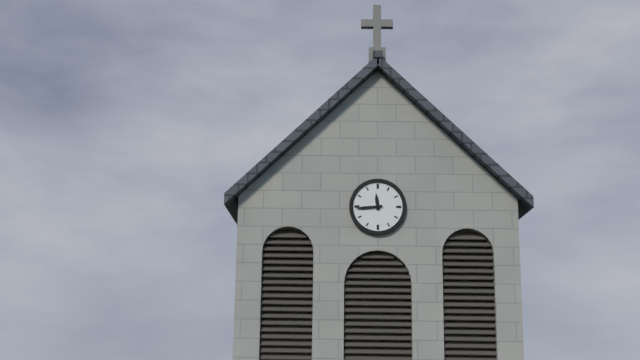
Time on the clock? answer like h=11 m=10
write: h=11 m=44
